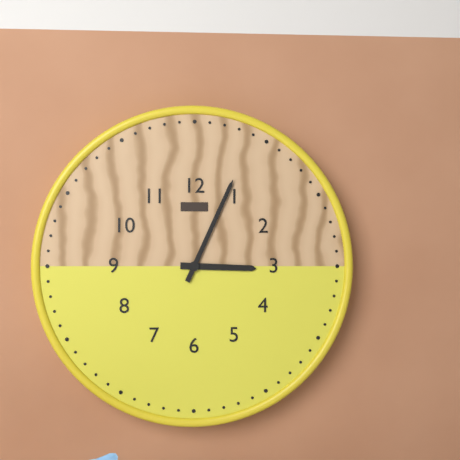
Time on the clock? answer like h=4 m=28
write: h=3 m=4
